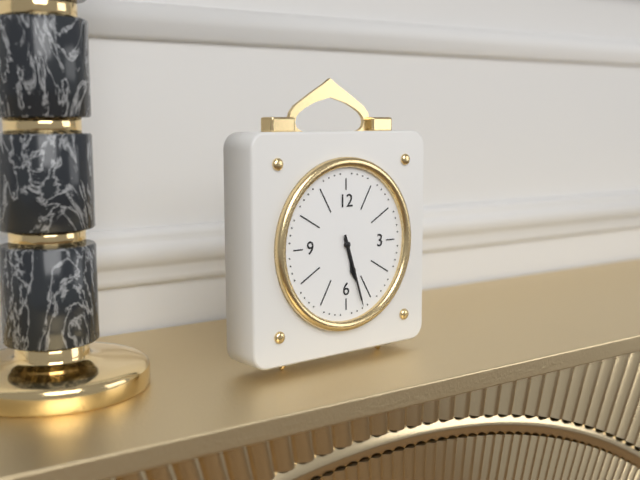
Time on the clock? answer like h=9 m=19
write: h=5 m=27
